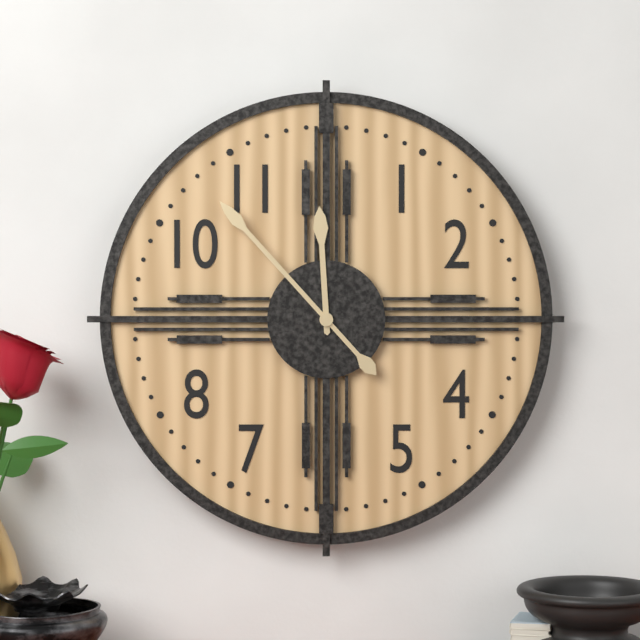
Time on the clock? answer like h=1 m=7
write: h=11 m=53
